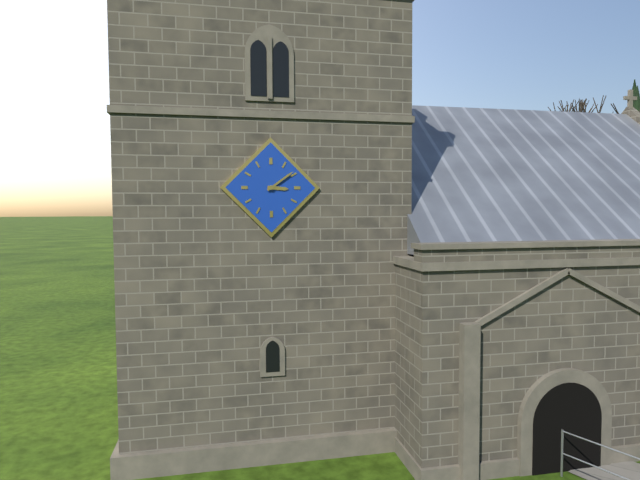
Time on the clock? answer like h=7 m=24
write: h=3 m=9
